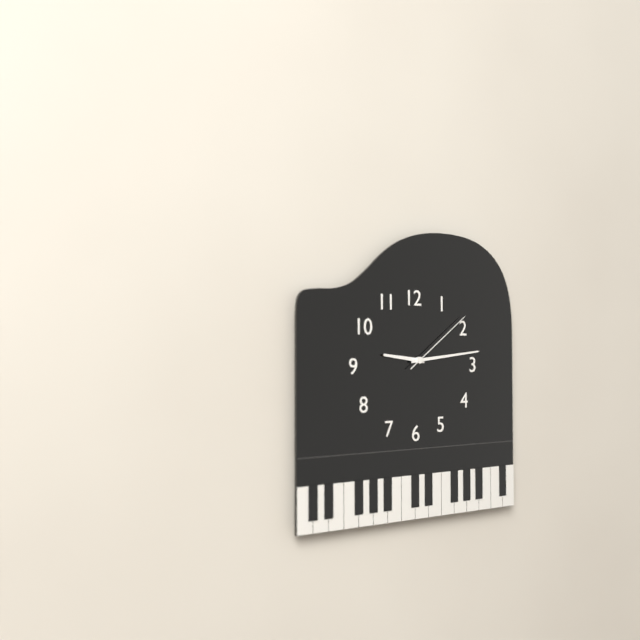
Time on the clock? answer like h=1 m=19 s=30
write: h=9 m=14 s=9
